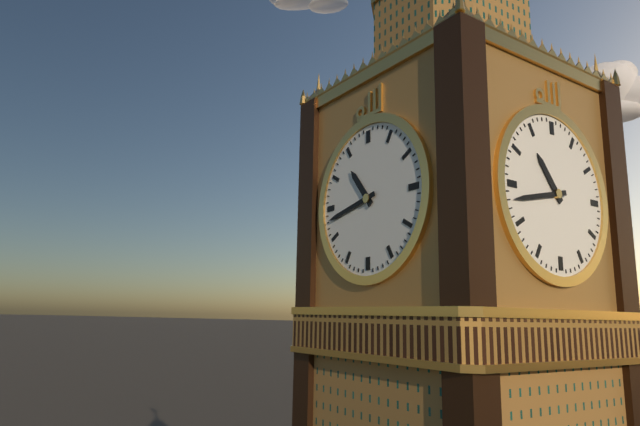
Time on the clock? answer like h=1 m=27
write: h=10 m=43
